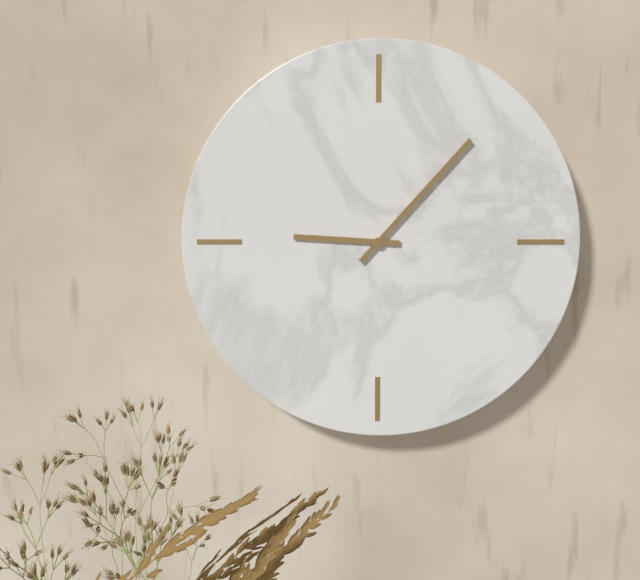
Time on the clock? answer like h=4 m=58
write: h=9 m=7
